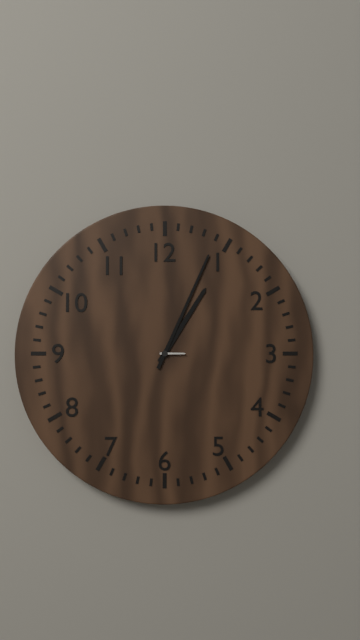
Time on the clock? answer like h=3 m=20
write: h=1 m=4
